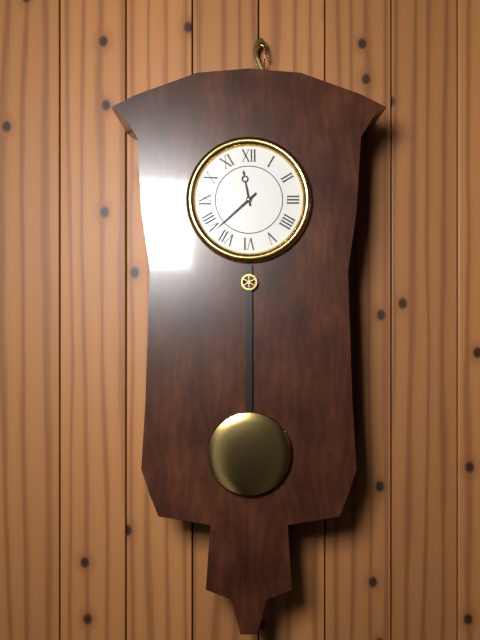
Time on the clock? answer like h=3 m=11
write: h=11 m=38
